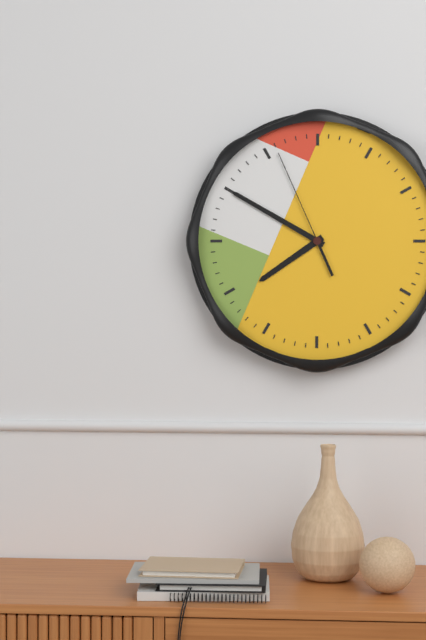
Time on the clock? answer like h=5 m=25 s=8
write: h=7 m=50 s=56
